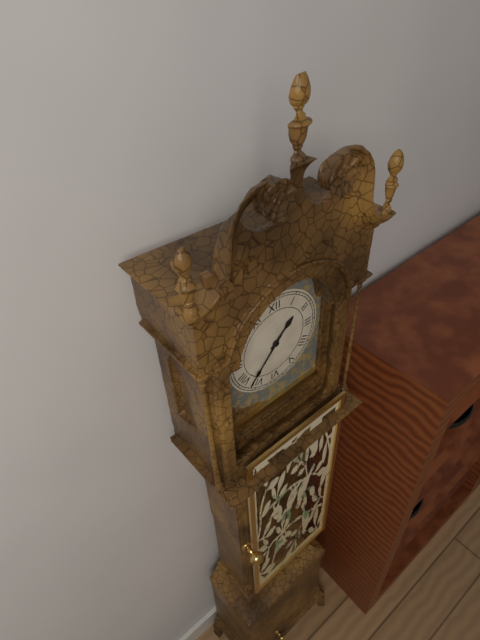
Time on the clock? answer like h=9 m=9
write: h=1 m=37
